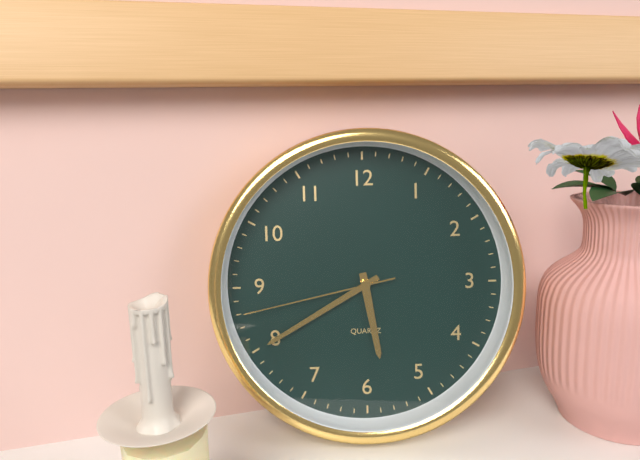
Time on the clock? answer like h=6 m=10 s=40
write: h=5 m=40 s=43
